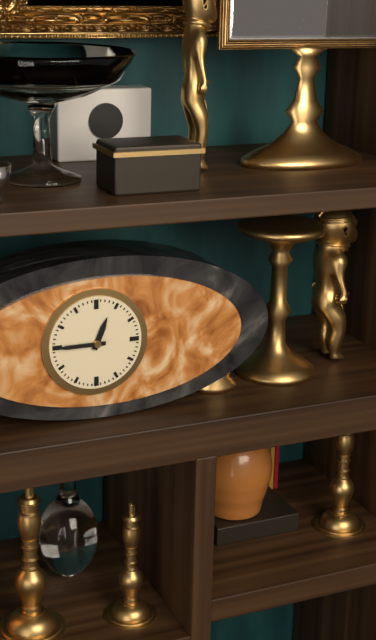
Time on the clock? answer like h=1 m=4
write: h=12 m=45
